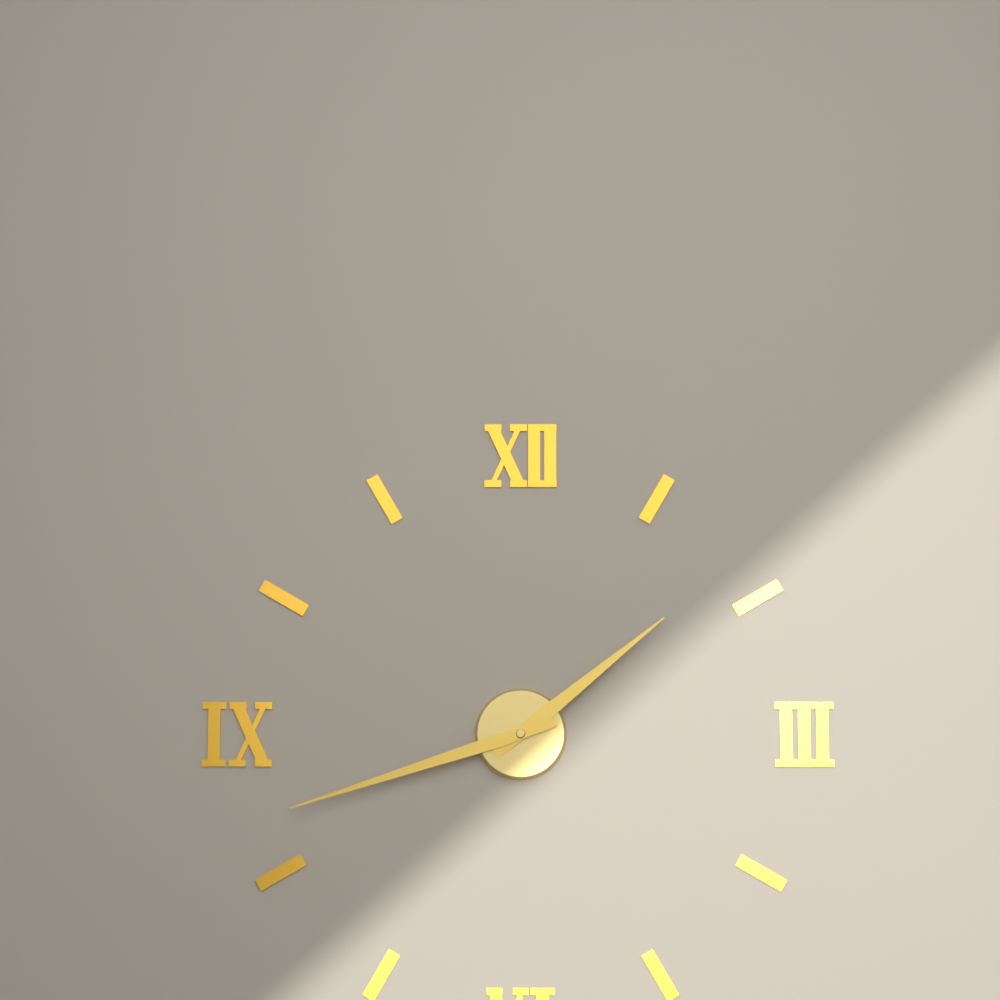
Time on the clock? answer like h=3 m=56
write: h=1 m=42
